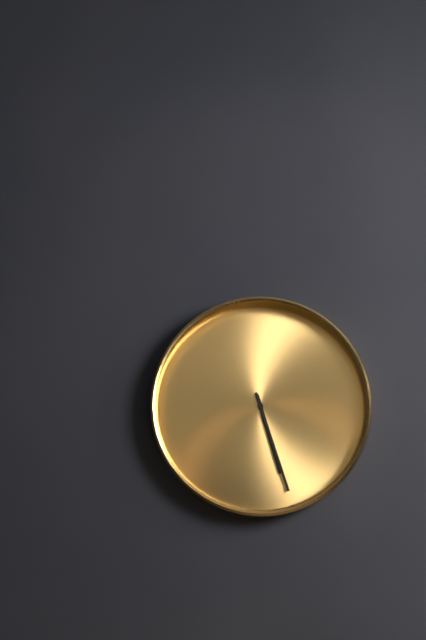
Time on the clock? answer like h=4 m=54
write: h=5 m=27
